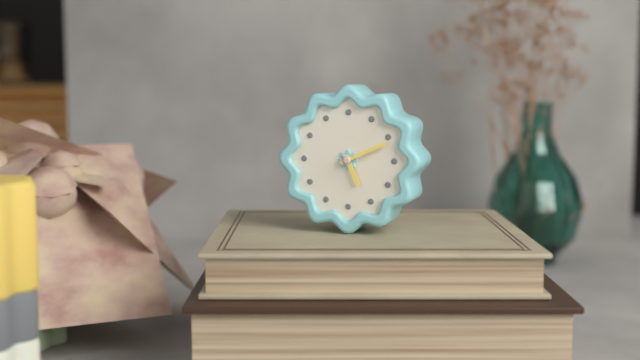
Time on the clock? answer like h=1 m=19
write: h=5 m=11
